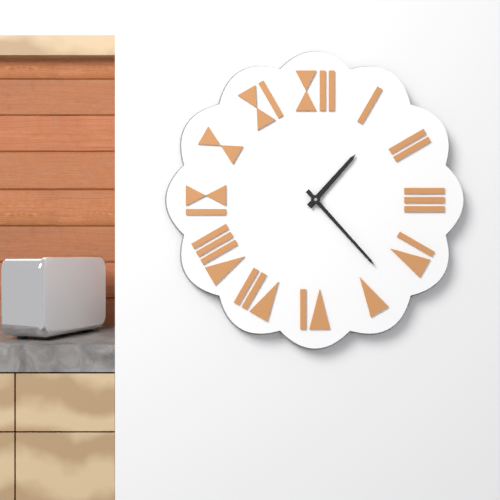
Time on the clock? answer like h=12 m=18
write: h=1 m=23
